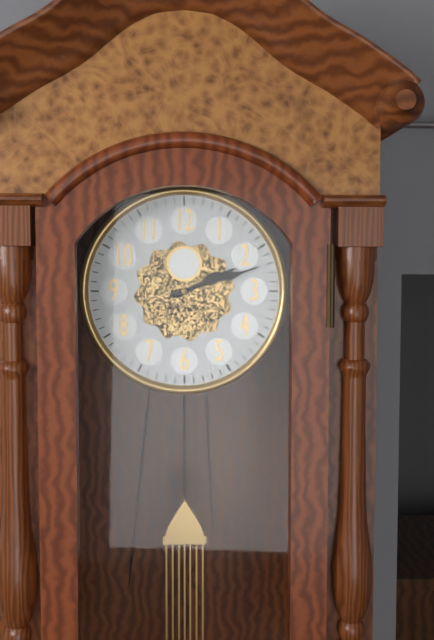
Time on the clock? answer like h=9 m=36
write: h=2 m=12
